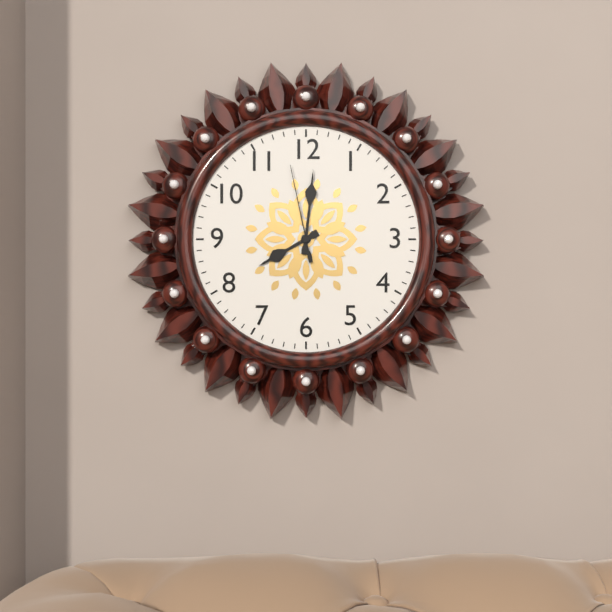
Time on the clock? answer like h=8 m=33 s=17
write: h=8 m=1 s=58
